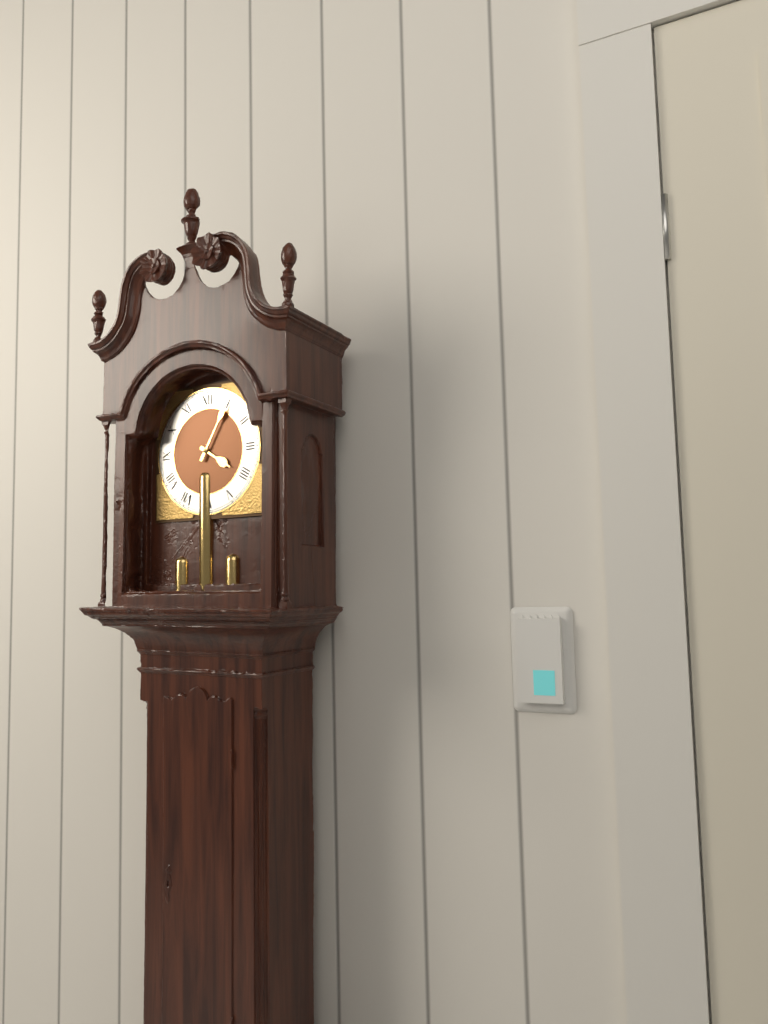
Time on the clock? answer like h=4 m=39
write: h=4 m=5
